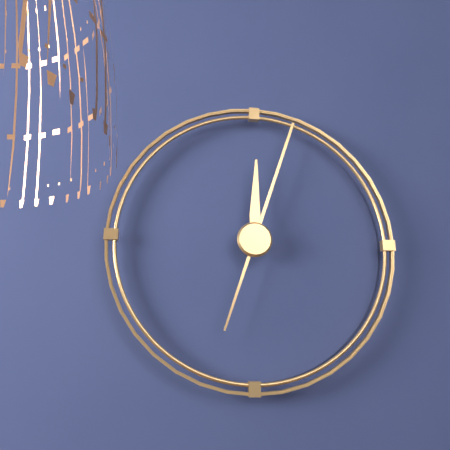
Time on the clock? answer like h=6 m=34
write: h=12 m=3
